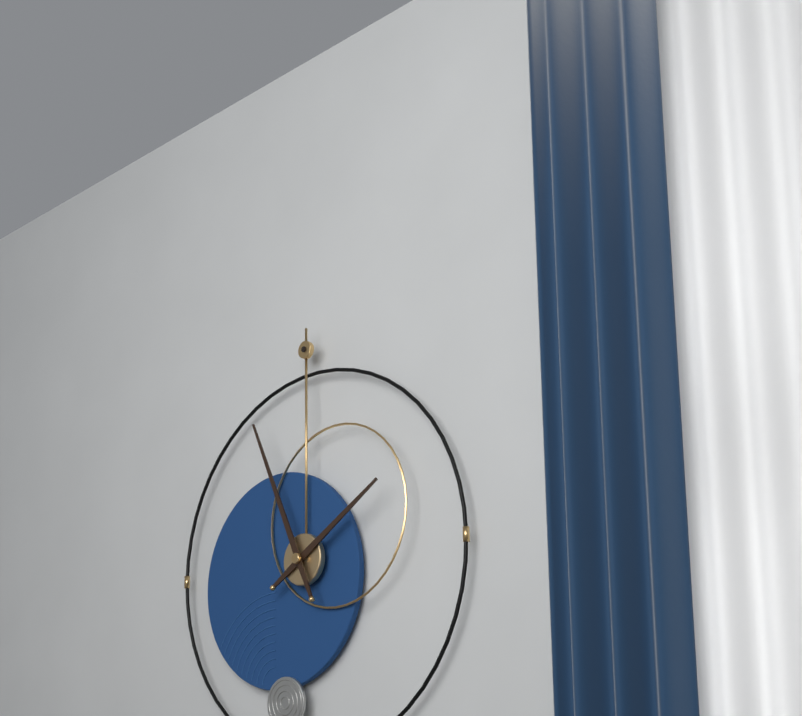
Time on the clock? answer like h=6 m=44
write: h=1 m=56
